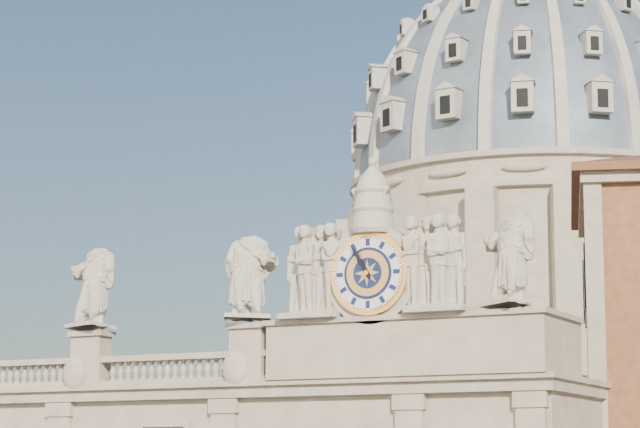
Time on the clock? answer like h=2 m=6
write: h=10 m=55
